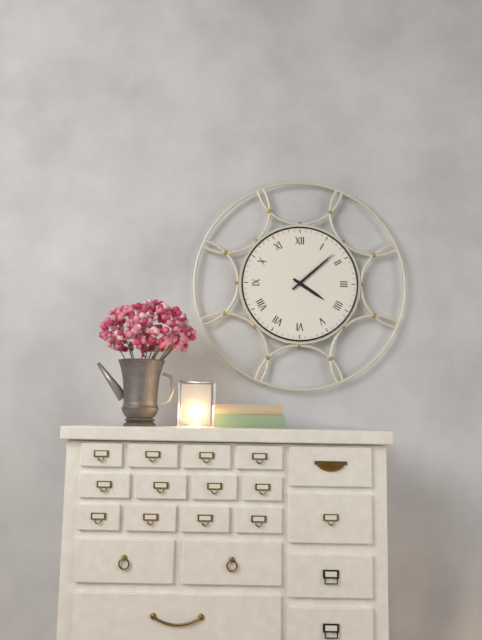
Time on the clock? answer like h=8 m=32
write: h=4 m=8
